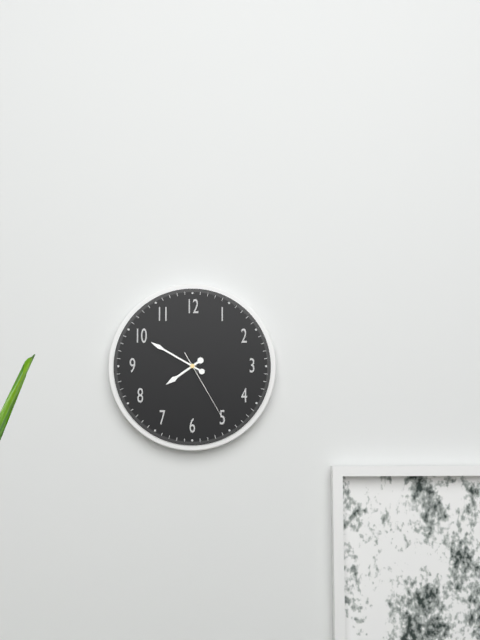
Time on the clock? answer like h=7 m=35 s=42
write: h=7 m=50 s=25
